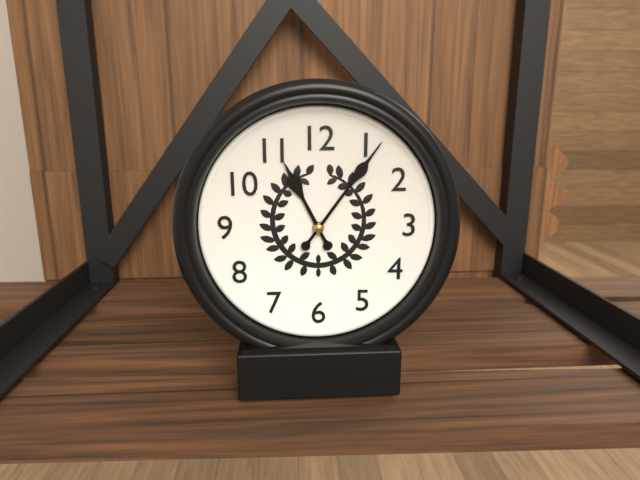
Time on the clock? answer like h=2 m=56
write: h=11 m=6
